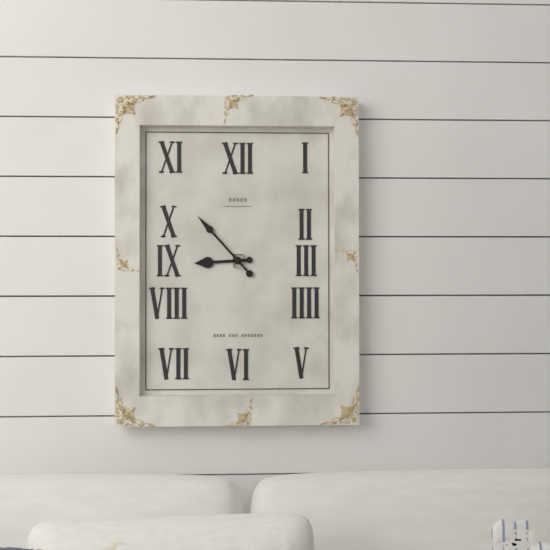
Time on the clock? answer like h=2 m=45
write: h=8 m=53
